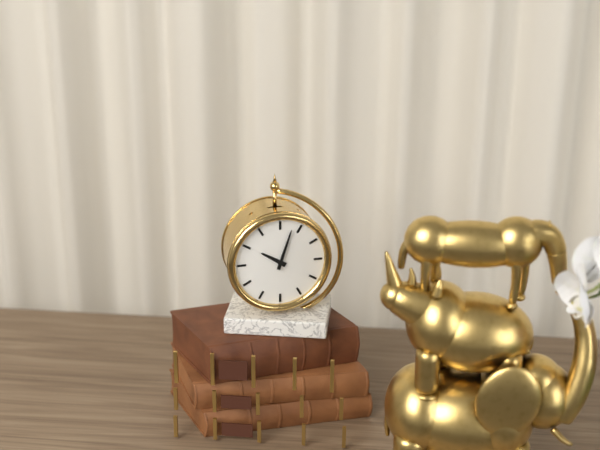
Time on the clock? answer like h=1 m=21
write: h=10 m=3
